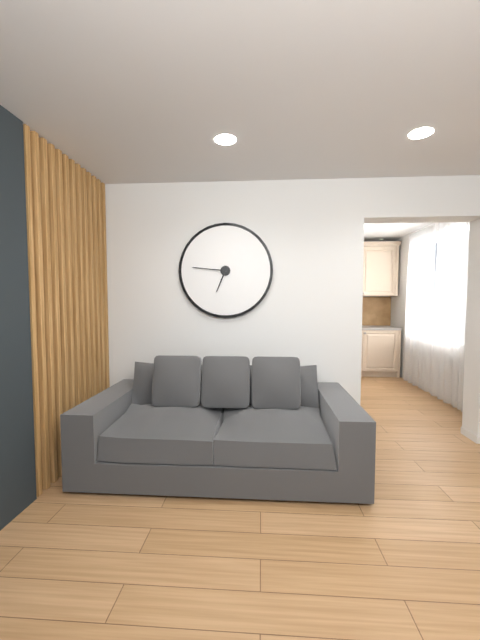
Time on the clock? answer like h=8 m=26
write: h=6 m=46
